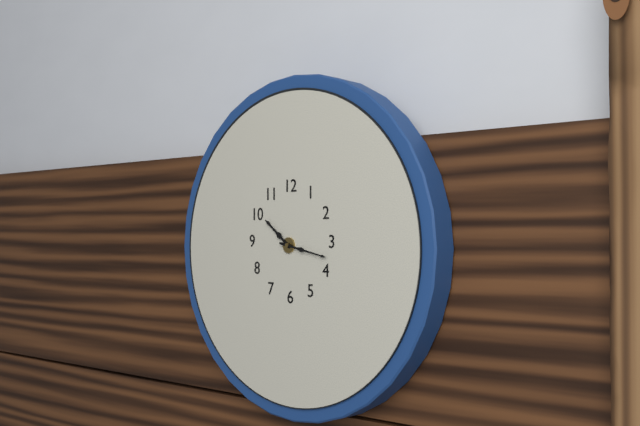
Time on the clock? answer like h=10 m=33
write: h=10 m=17
